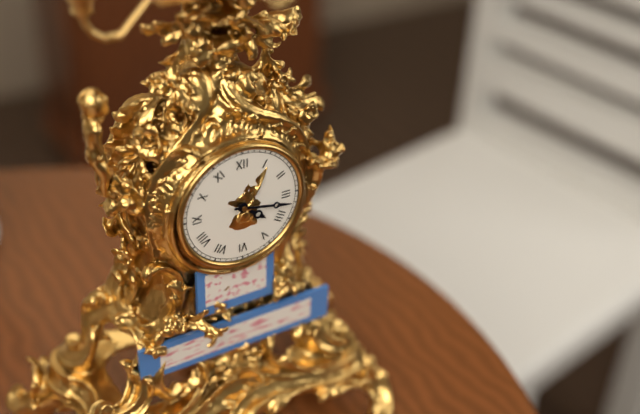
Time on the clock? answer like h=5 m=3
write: h=4 m=17
